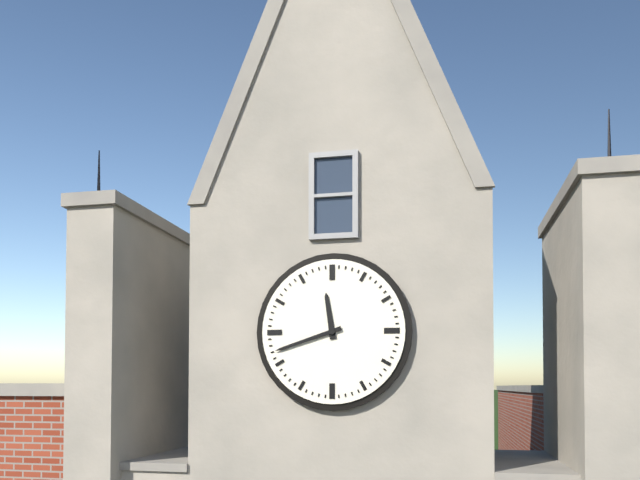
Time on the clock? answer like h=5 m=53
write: h=11 m=42
